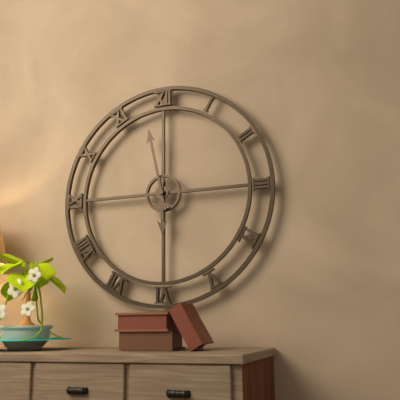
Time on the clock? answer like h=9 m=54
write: h=5 m=58
